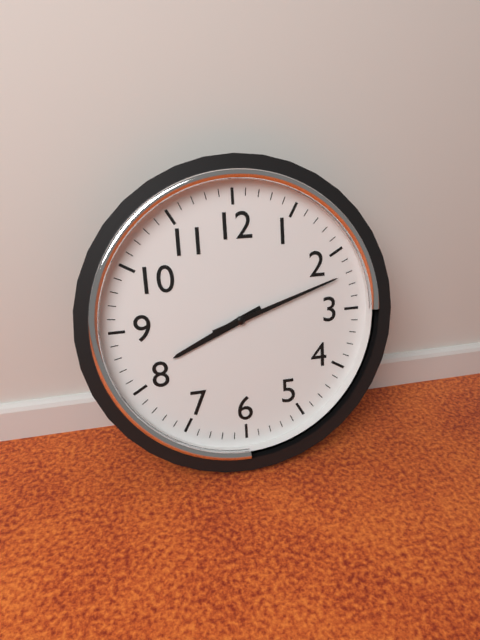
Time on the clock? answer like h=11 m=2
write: h=8 m=12
